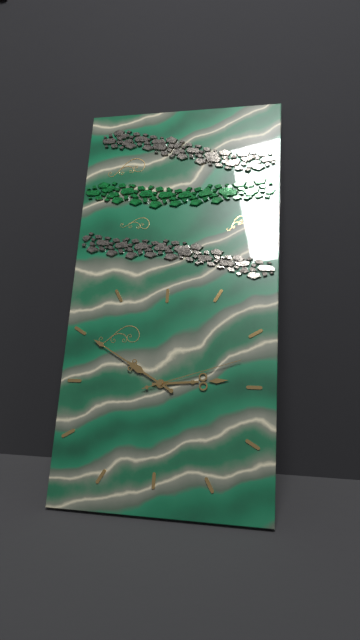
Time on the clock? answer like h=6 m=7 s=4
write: h=2 m=50 s=12
